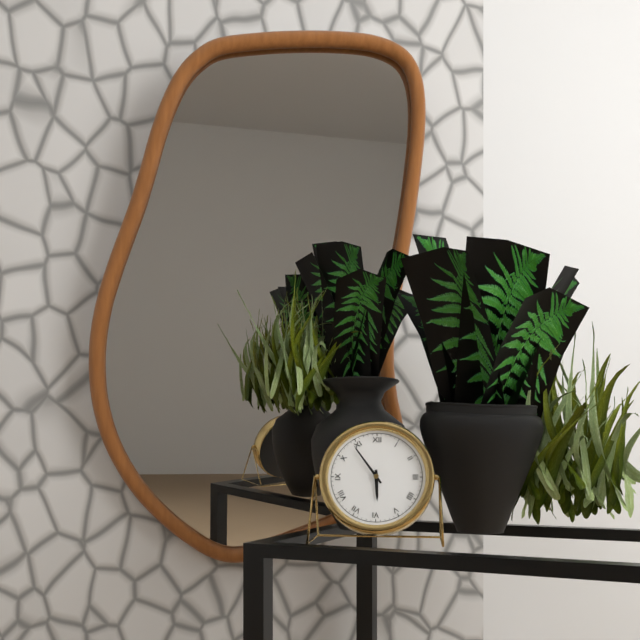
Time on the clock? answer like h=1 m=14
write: h=5 m=54
